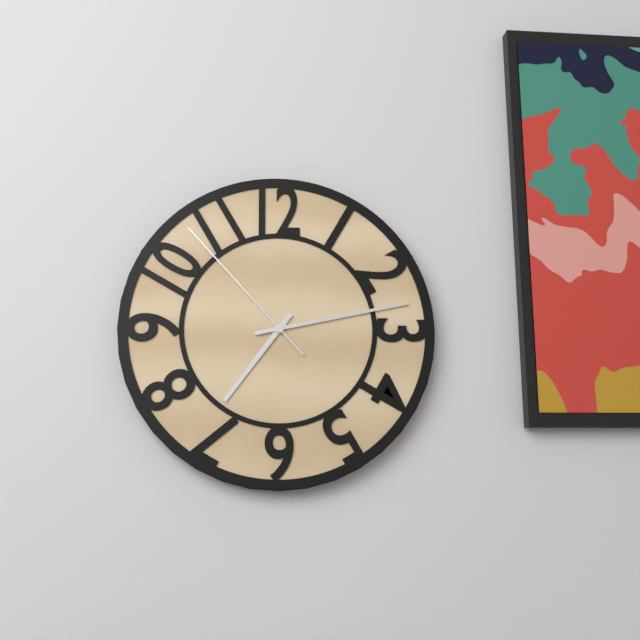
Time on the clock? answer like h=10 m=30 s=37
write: h=7 m=13 s=53
